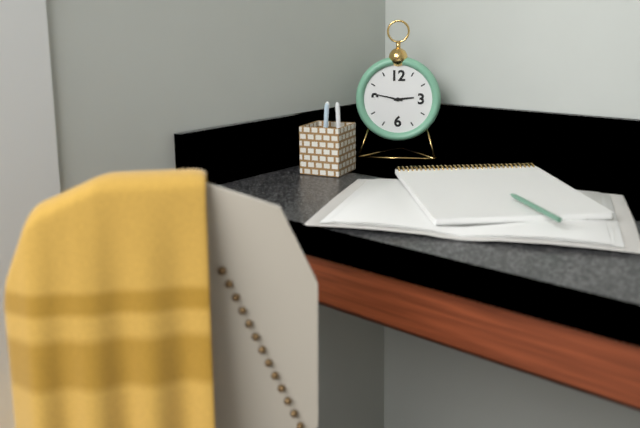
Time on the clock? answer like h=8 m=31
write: h=2 m=47
